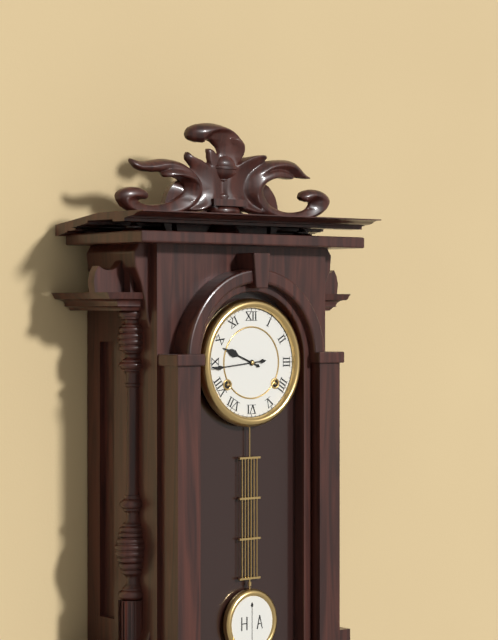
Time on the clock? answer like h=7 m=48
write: h=9 m=44
